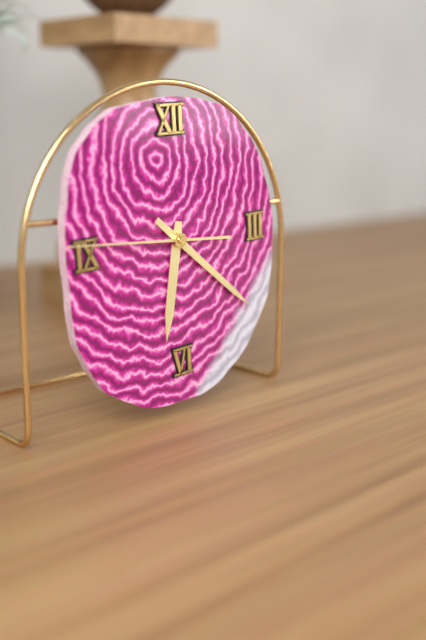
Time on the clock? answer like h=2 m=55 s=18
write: h=6 m=22 s=46
